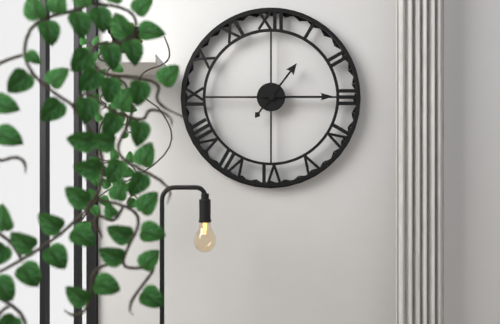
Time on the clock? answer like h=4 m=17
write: h=1 m=15
